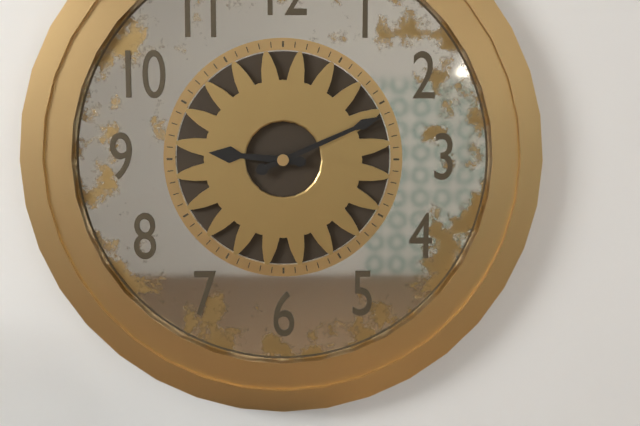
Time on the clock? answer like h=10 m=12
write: h=9 m=11
